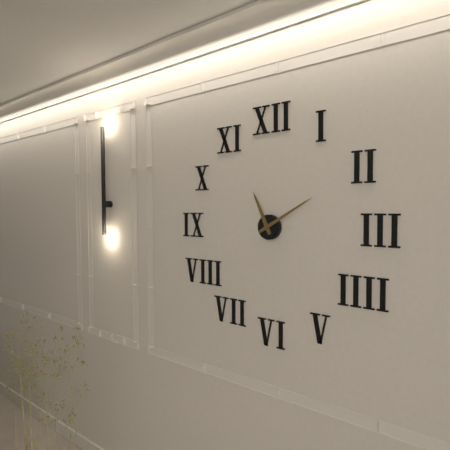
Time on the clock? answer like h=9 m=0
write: h=11 m=10
